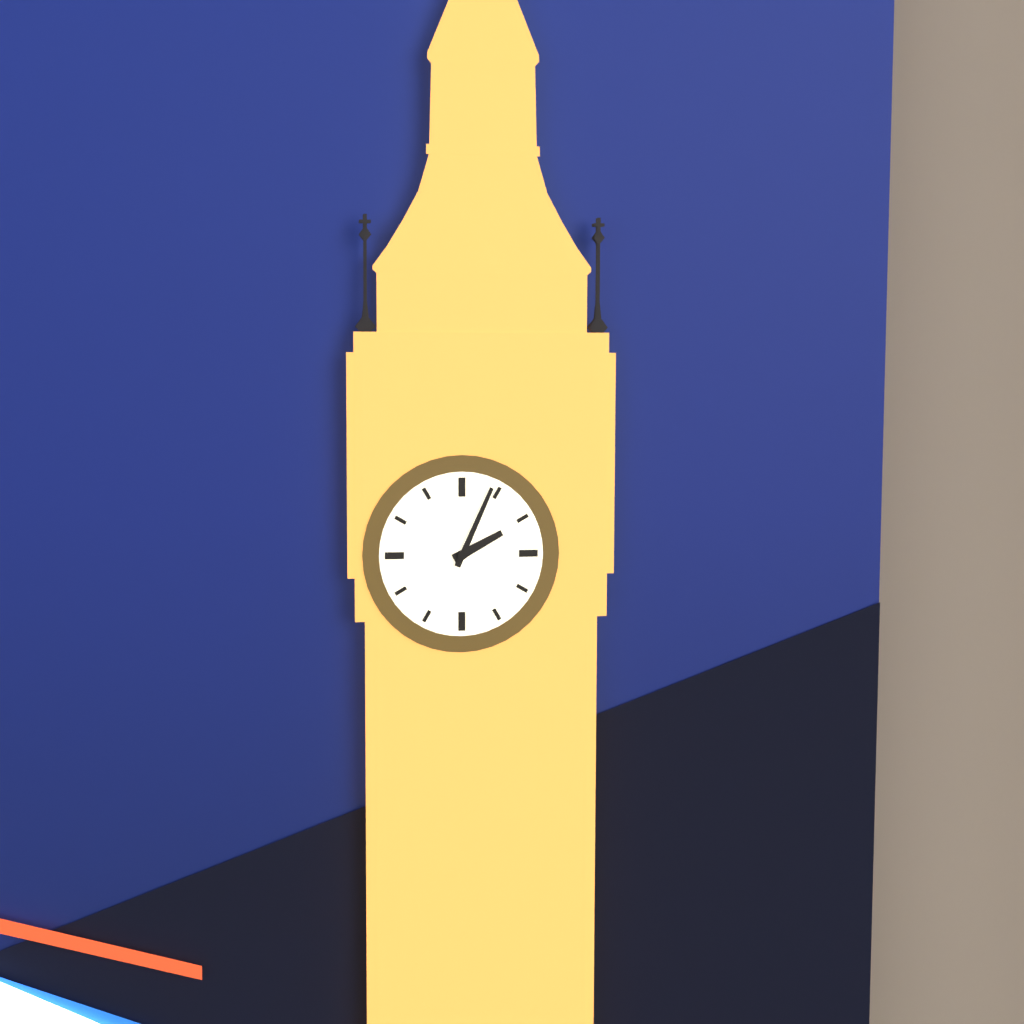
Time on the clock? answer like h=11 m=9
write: h=2 m=4
